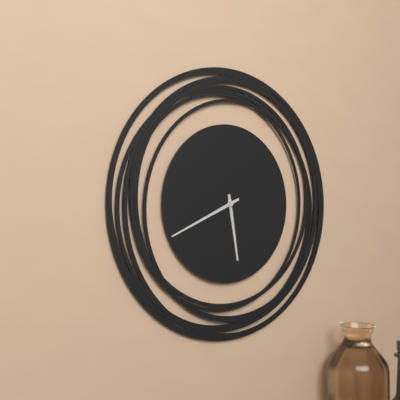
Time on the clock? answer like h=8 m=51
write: h=5 m=41
